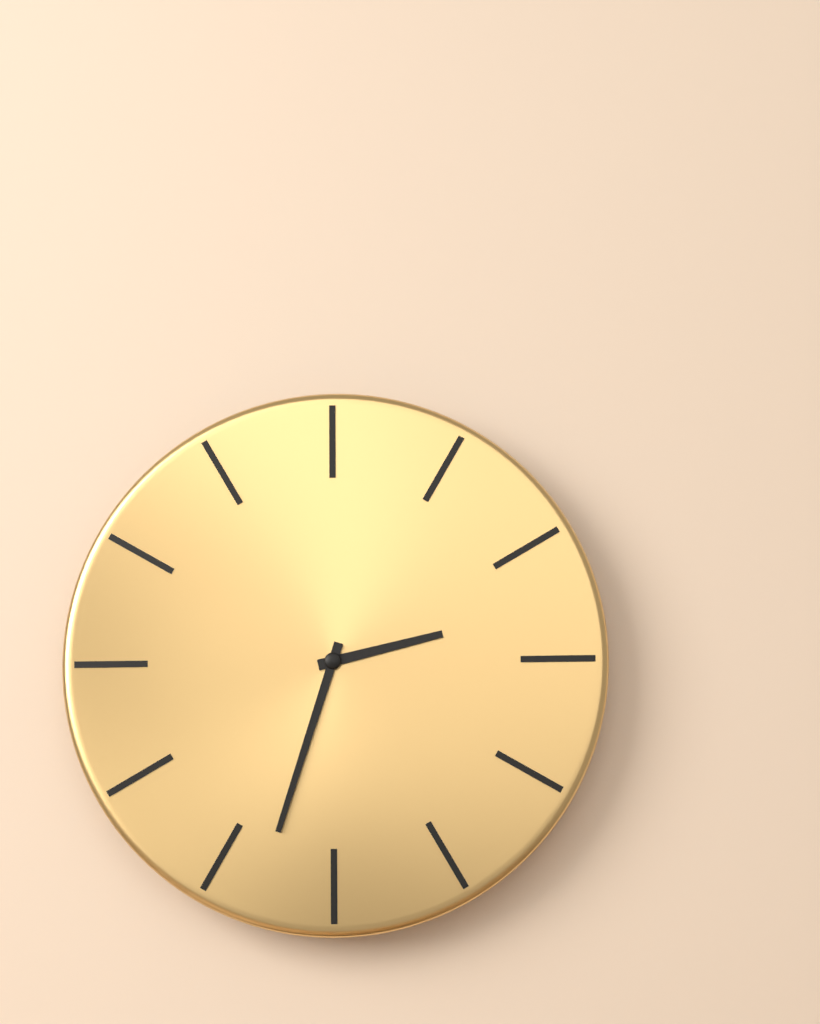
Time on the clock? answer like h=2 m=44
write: h=2 m=33
